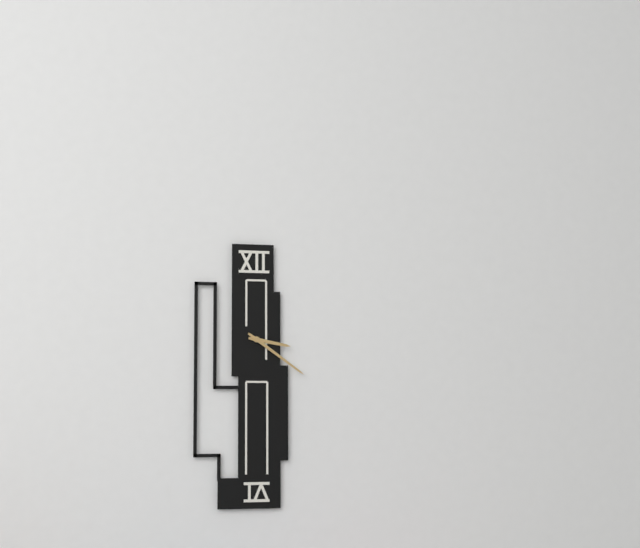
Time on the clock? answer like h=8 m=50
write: h=3 m=21
